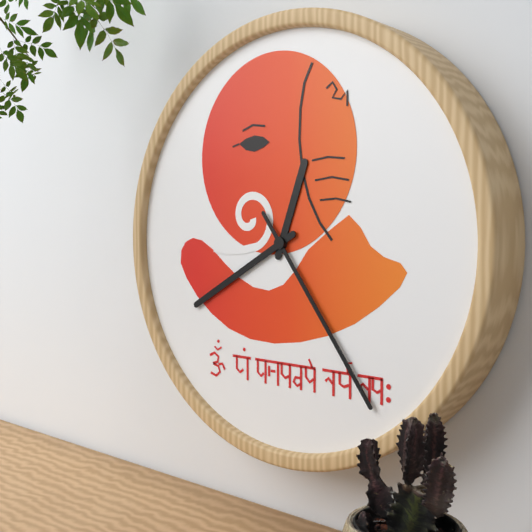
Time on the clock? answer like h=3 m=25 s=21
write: h=12 m=40 s=24
